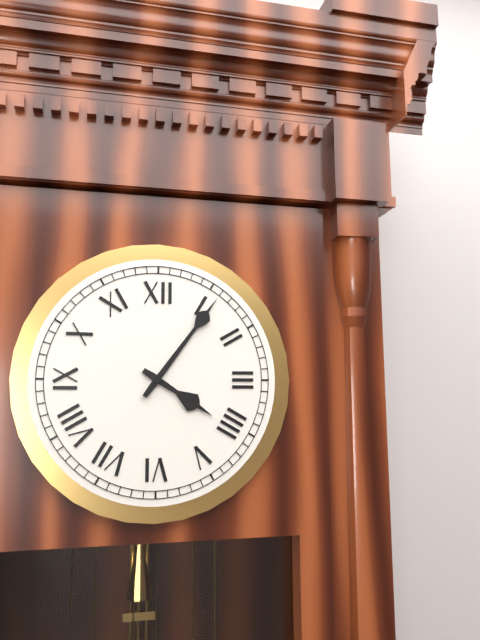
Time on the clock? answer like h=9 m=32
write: h=4 m=6
